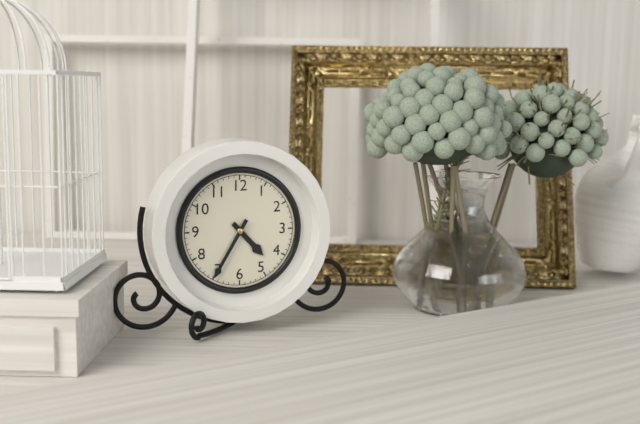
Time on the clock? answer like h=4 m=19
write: h=4 m=35
